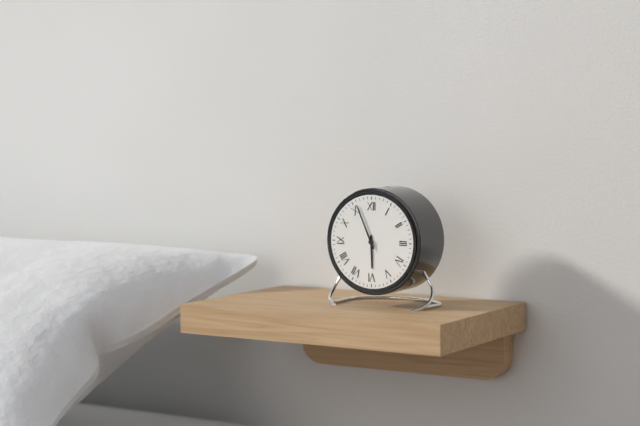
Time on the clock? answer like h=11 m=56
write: h=5 m=56
